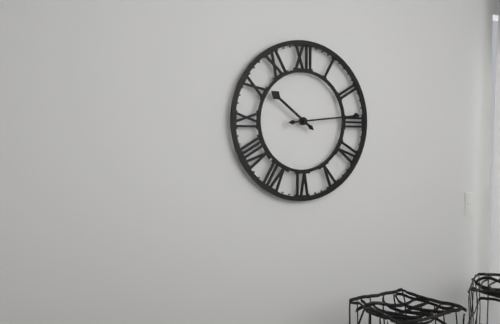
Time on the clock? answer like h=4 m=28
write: h=10 m=14
